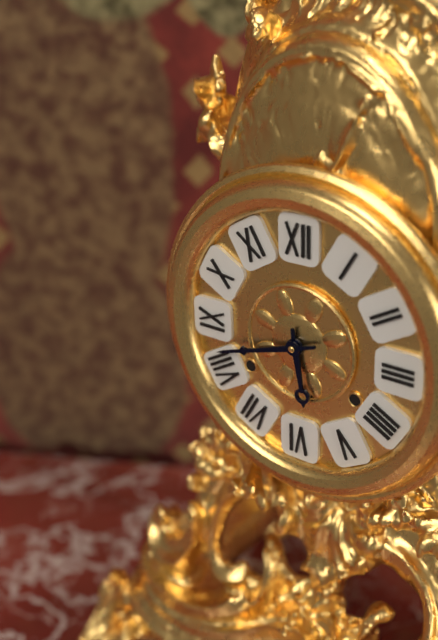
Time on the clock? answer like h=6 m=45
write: h=5 m=42
